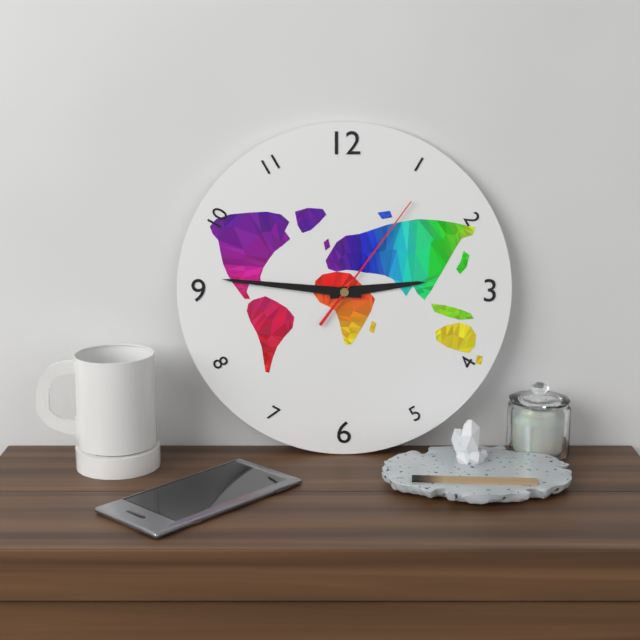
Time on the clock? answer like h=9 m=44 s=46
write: h=2 m=46 s=6
